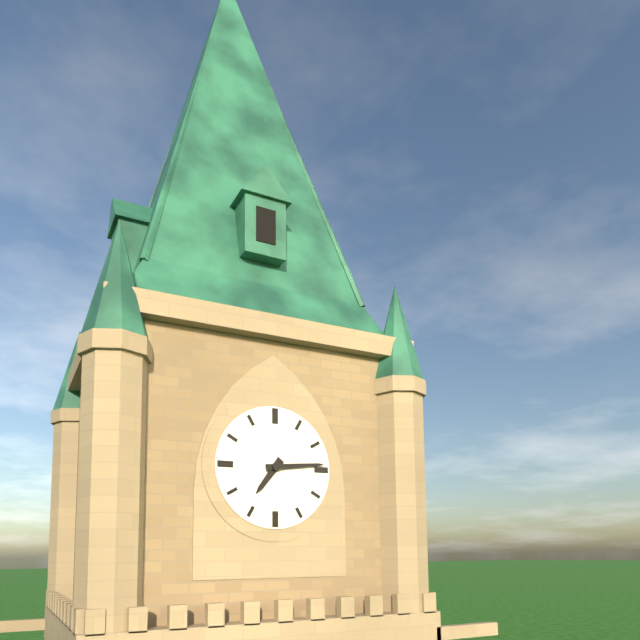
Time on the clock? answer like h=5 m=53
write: h=7 m=14
